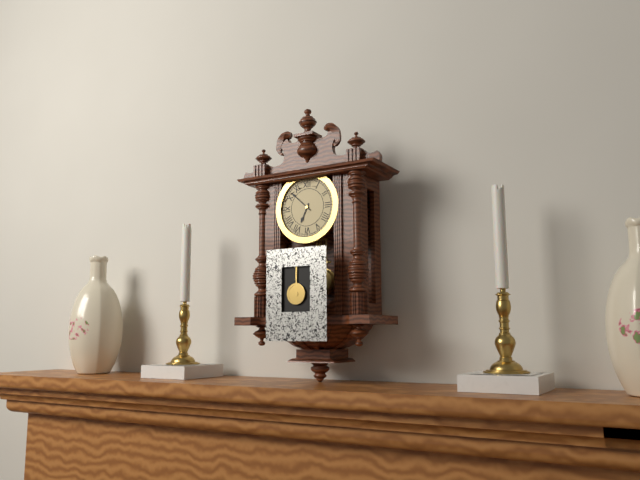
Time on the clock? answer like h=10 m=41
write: h=6 m=52
